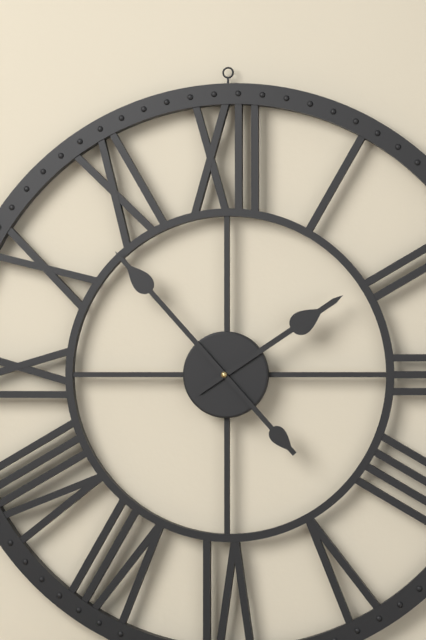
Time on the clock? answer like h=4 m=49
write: h=1 m=53
